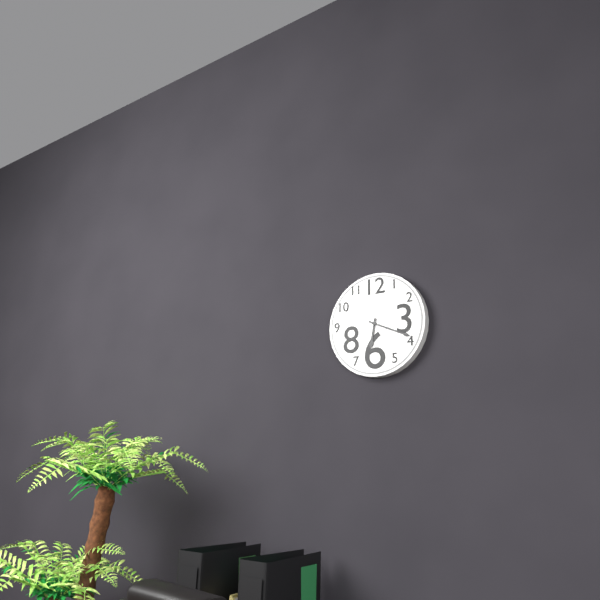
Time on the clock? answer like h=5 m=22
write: h=6 m=19
